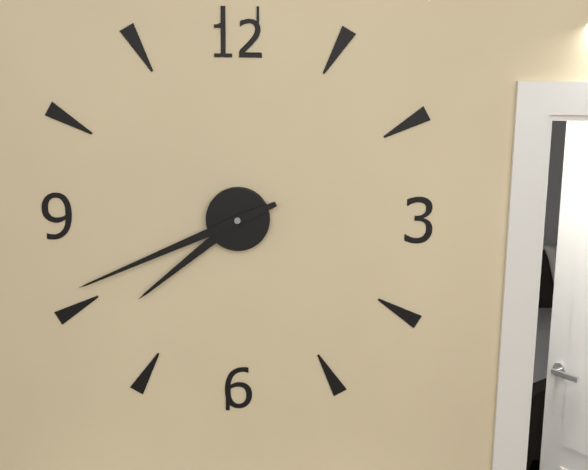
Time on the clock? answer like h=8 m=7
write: h=7 m=41
